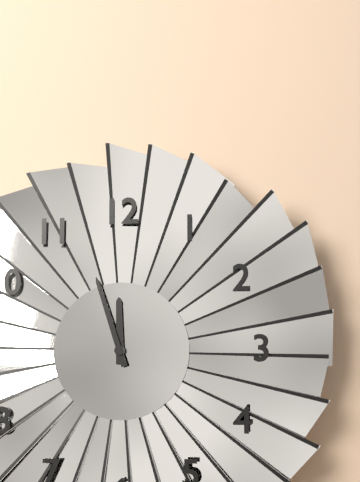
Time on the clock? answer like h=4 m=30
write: h=11 m=57
